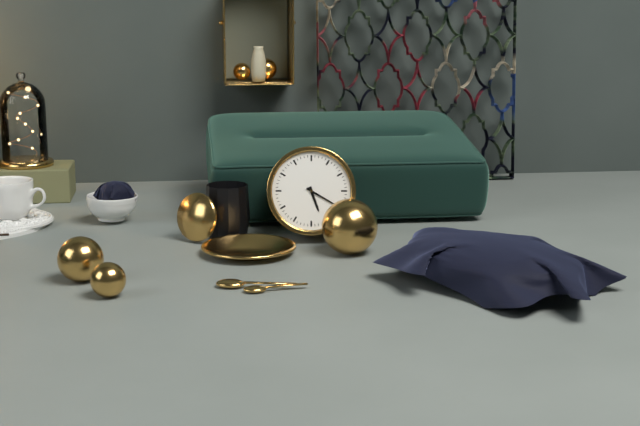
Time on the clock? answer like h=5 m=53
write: h=5 m=20
